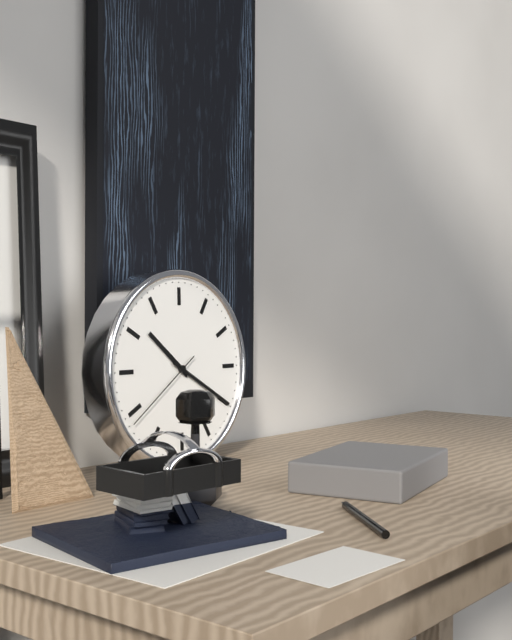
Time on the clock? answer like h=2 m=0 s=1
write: h=10 m=20 s=39
